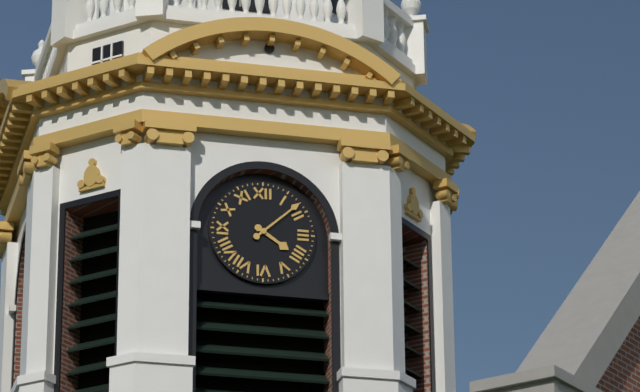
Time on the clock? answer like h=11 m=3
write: h=4 m=8
